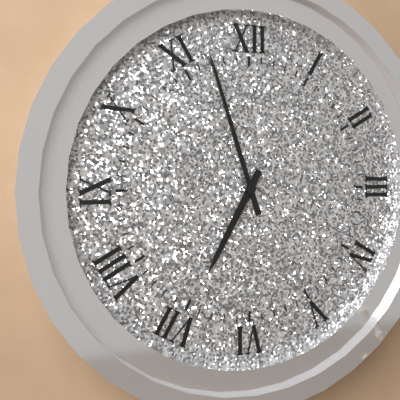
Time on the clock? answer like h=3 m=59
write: h=6 m=57
